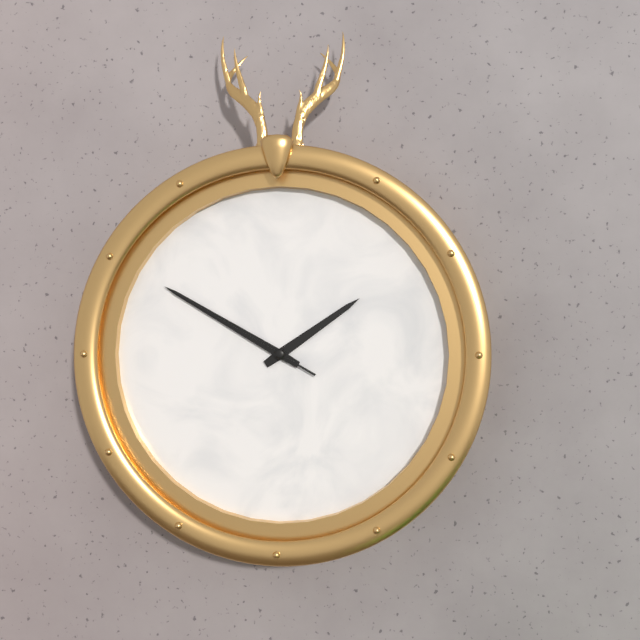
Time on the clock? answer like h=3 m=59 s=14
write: h=1 m=50 s=50
